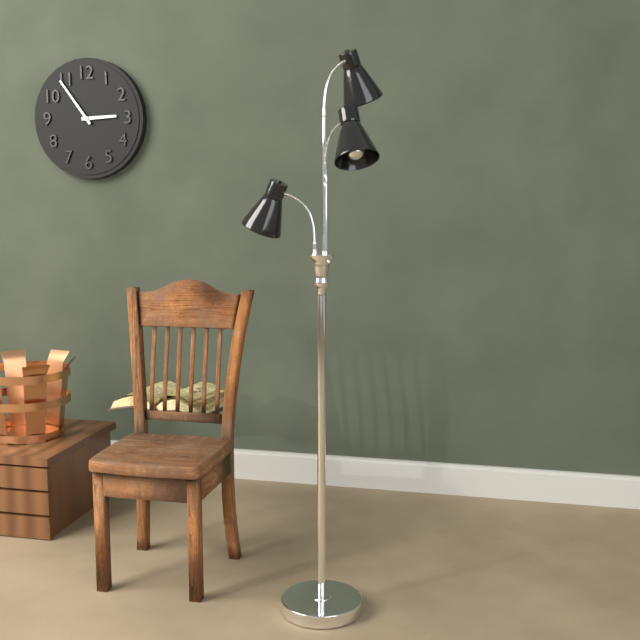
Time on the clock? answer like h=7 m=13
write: h=2 m=54
